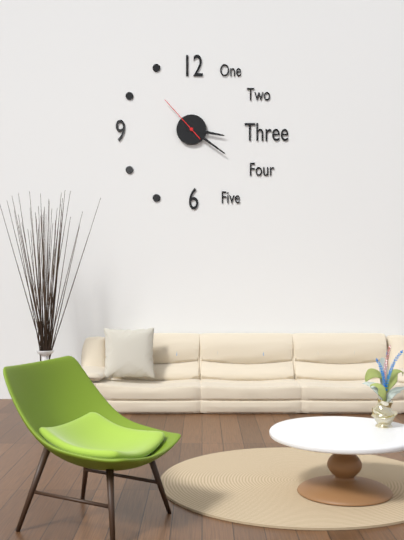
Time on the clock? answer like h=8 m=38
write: h=3 m=21
